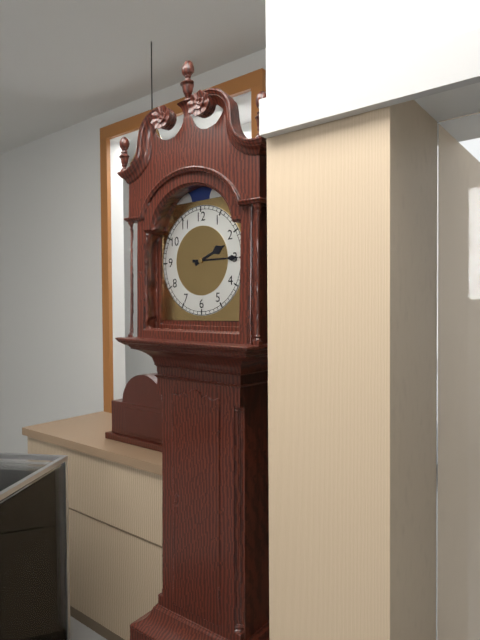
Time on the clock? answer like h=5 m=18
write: h=2 m=15
